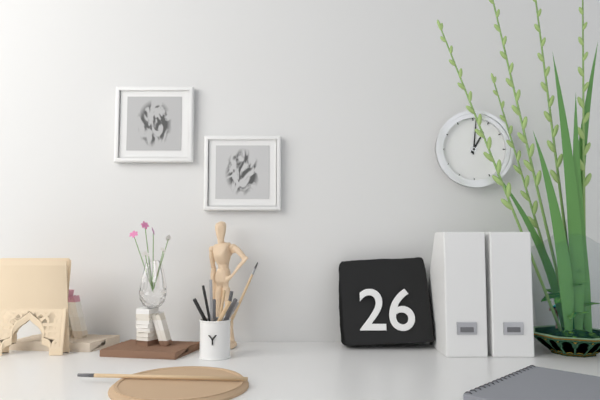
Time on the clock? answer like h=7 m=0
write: h=1 m=1
